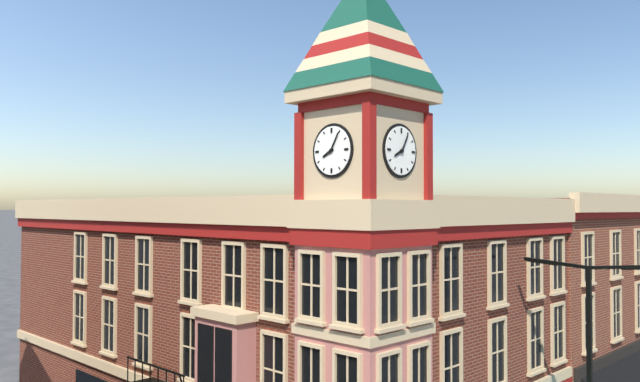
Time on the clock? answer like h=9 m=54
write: h=8 m=5
